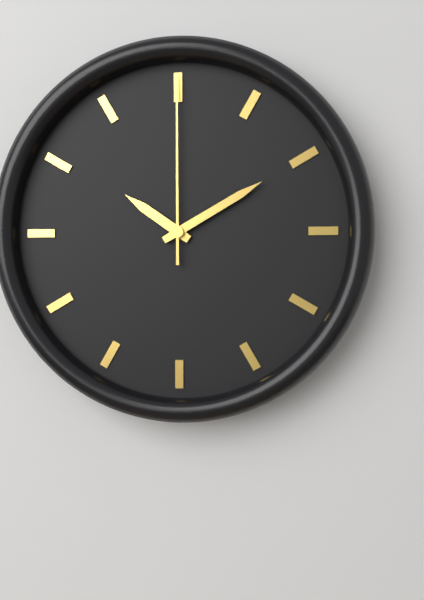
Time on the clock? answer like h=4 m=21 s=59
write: h=10 m=10 s=0
